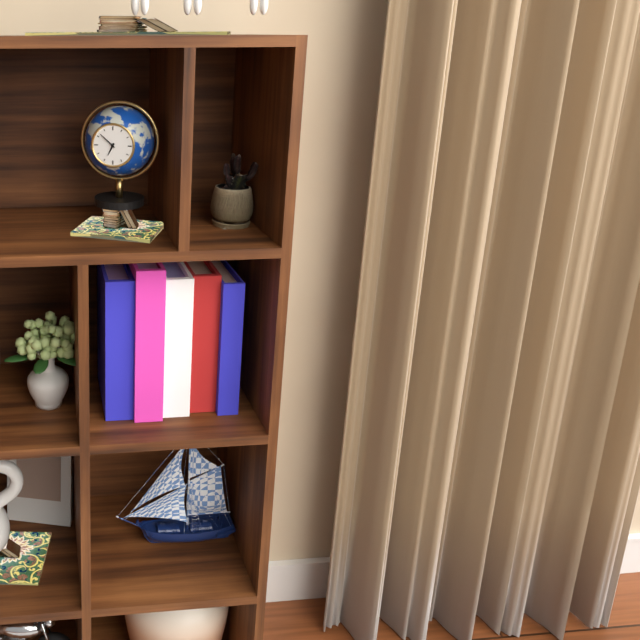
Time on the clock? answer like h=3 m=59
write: h=6 m=52
